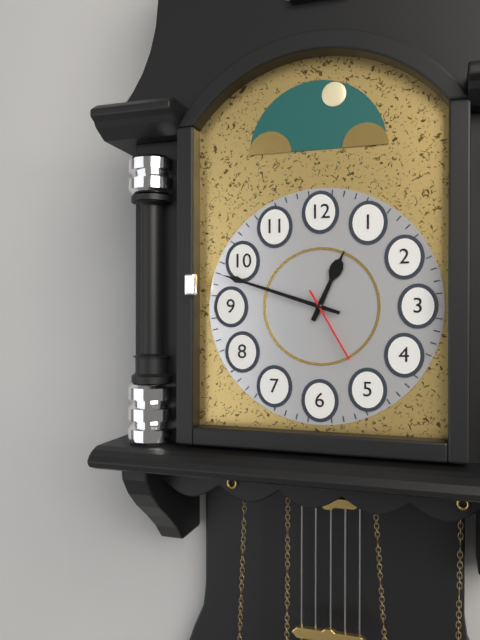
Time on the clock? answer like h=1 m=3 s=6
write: h=12 m=48 s=25
